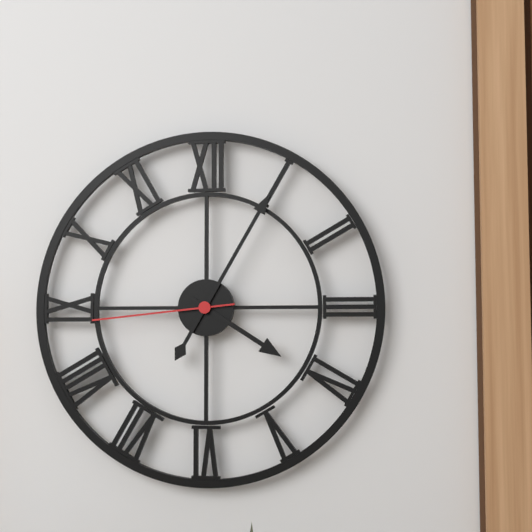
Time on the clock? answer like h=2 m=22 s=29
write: h=4 m=5 s=44
